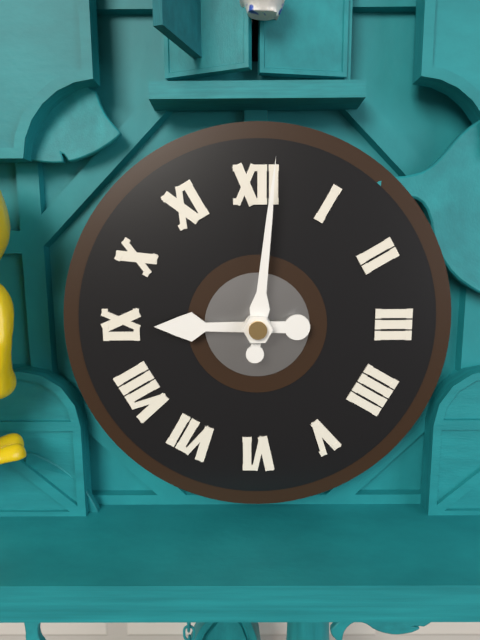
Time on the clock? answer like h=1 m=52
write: h=9 m=1
